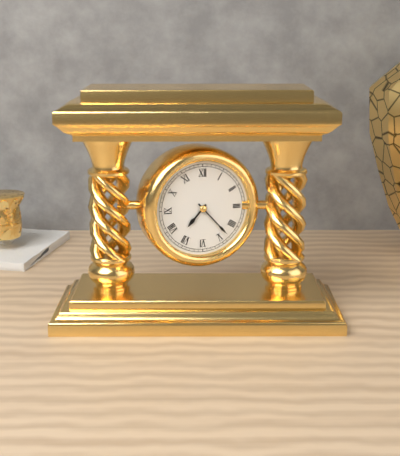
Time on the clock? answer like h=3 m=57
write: h=7 m=23
